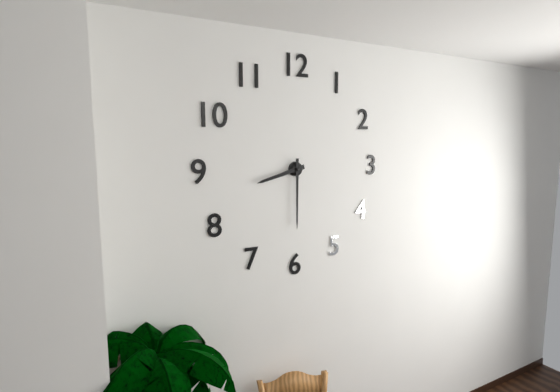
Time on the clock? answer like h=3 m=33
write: h=8 m=30
